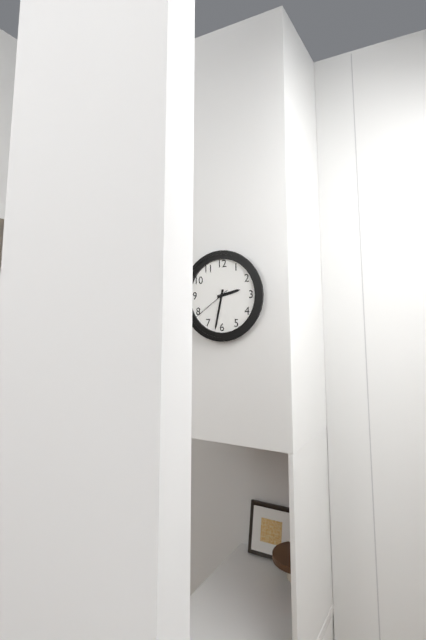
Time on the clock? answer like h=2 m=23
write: h=2 m=32
